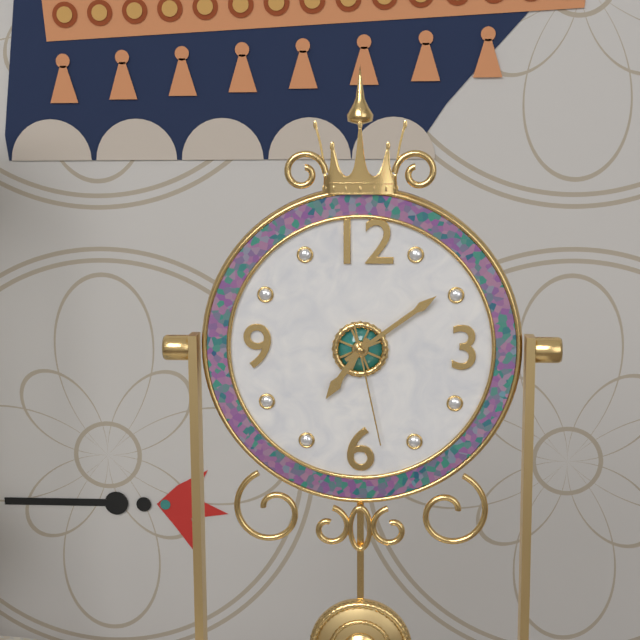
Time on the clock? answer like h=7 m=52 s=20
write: h=7 m=9 s=28
